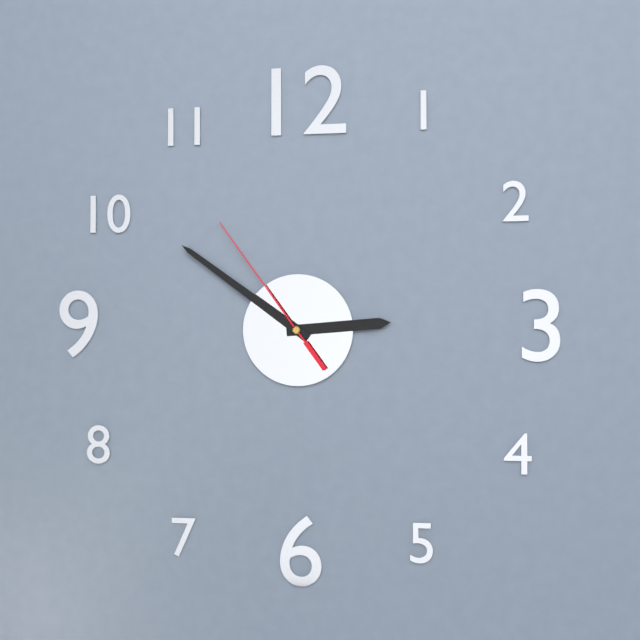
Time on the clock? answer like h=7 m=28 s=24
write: h=2 m=51 s=54
